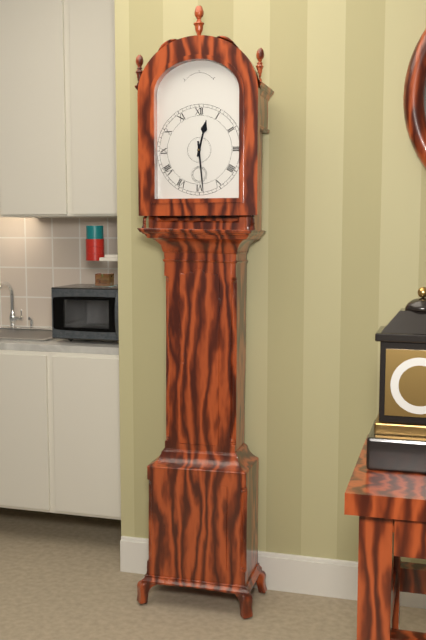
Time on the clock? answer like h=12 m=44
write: h=12 m=29
